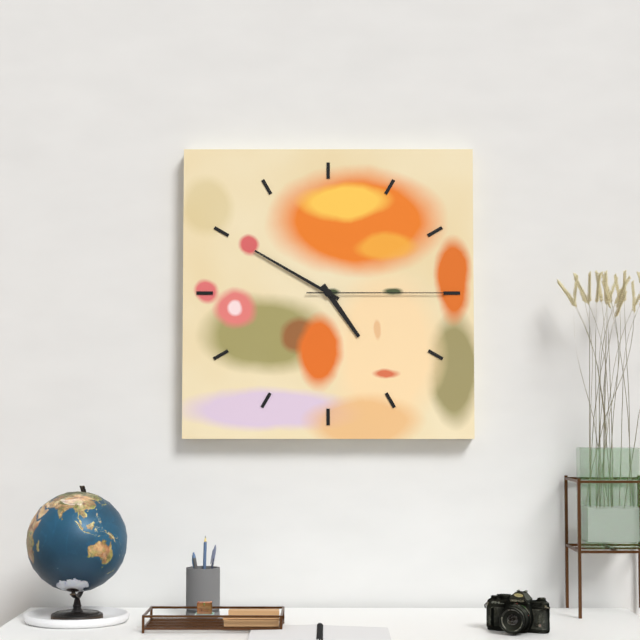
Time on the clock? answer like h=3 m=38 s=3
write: h=4 m=50 s=15
